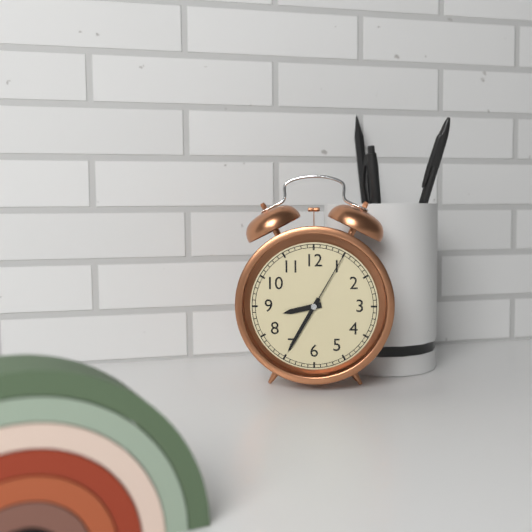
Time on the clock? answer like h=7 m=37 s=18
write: h=8 m=35 s=5
